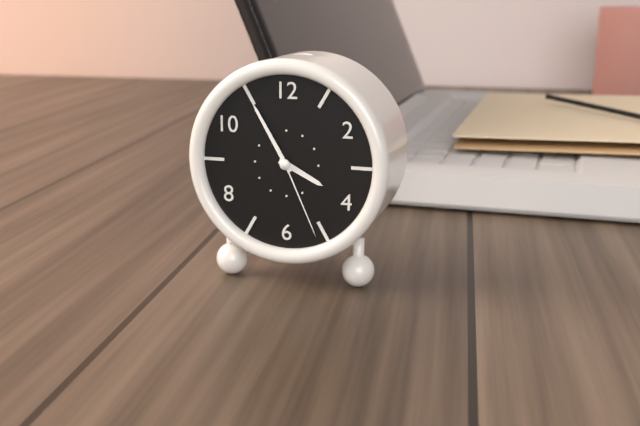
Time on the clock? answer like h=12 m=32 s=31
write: h=3 m=55 s=26
